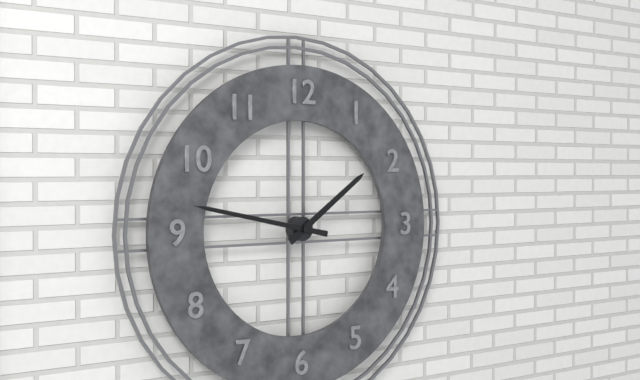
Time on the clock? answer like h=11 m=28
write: h=1 m=47
